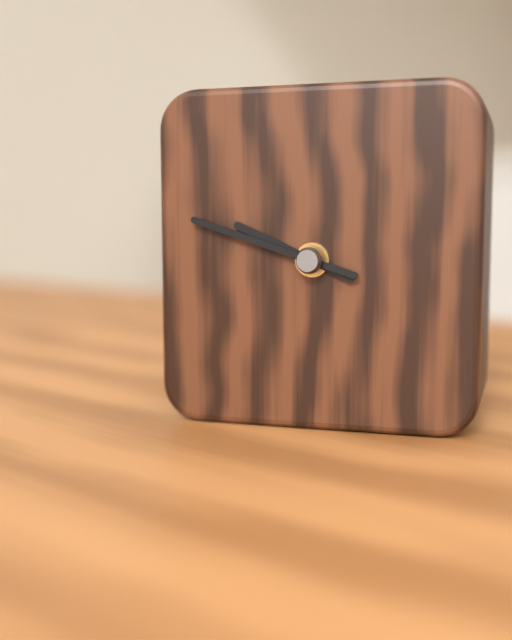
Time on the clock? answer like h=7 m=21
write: h=9 m=48
